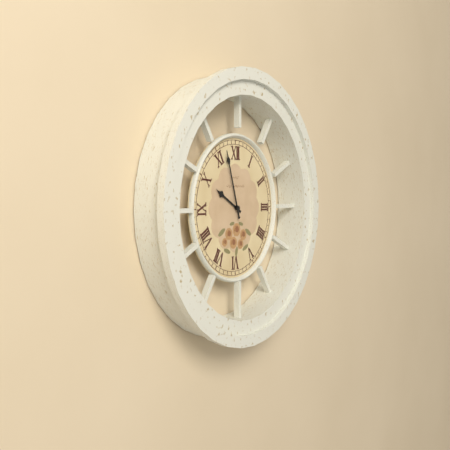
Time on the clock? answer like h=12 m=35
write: h=9 m=57
